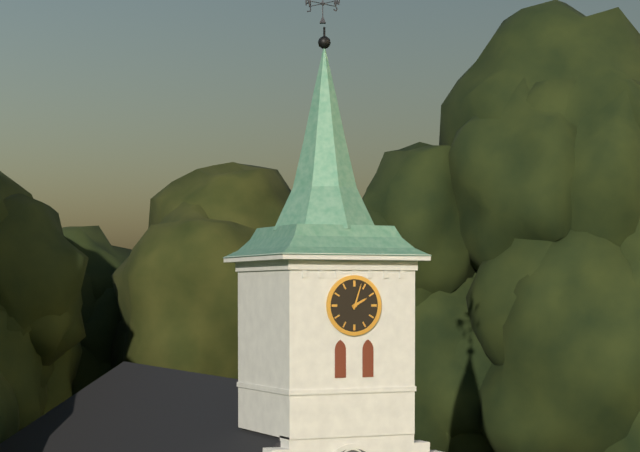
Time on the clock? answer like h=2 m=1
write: h=2 m=3
